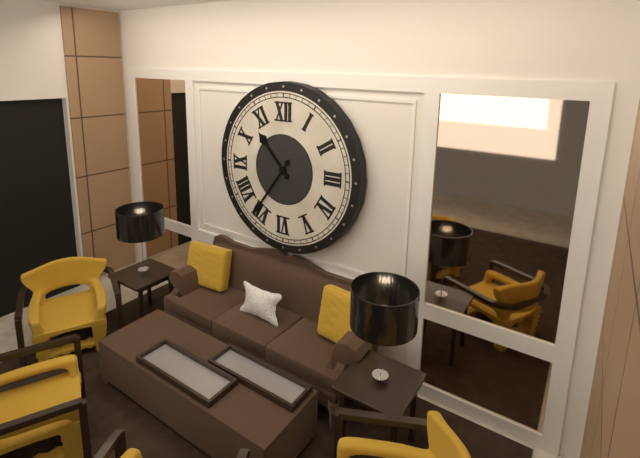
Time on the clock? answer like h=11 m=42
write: h=10 m=36
